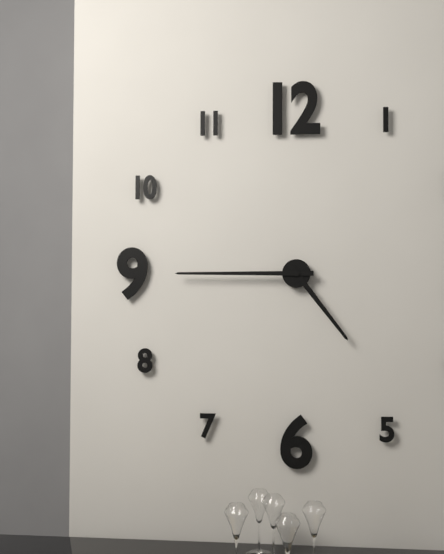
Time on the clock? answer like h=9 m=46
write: h=4 m=45
